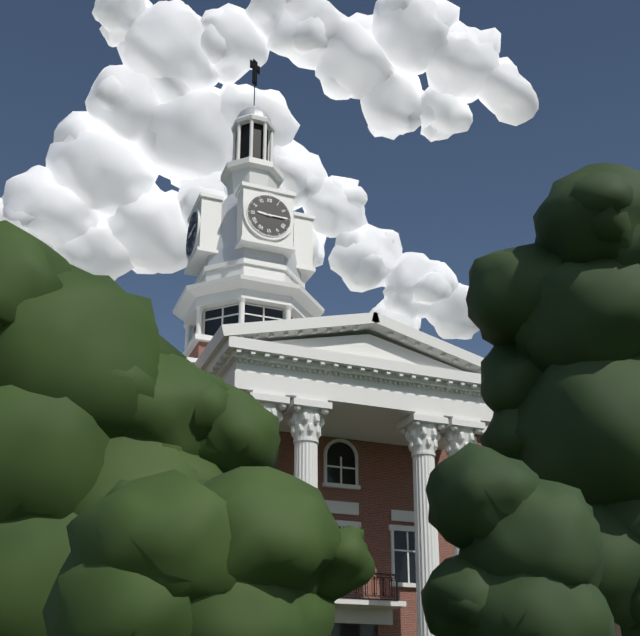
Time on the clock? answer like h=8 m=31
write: h=9 m=15
